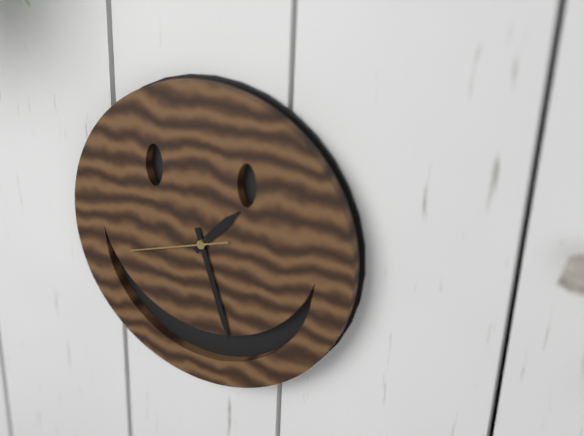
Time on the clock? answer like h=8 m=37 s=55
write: h=1 m=27 s=42
